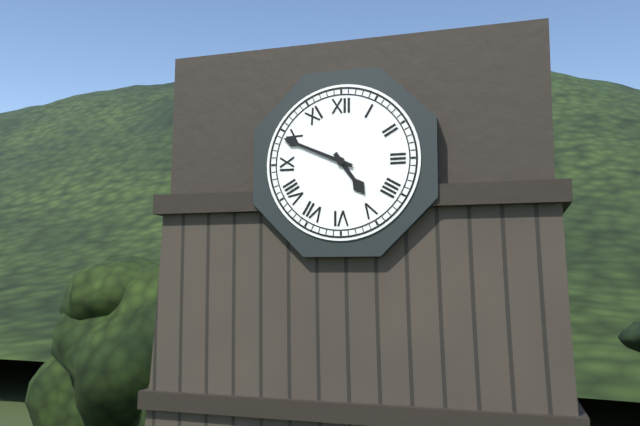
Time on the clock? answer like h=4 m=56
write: h=4 m=49
